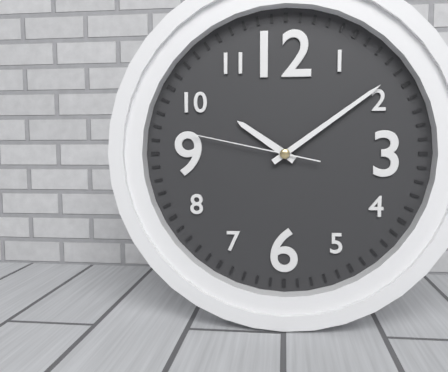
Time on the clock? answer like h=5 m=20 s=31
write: h=10 m=9 s=47
